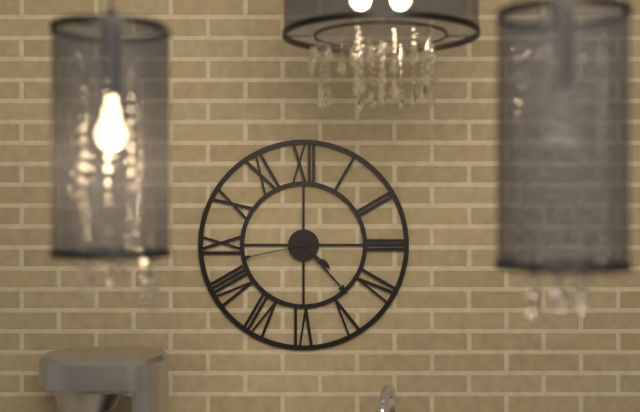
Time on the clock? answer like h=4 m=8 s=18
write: h=4 m=23 s=43
